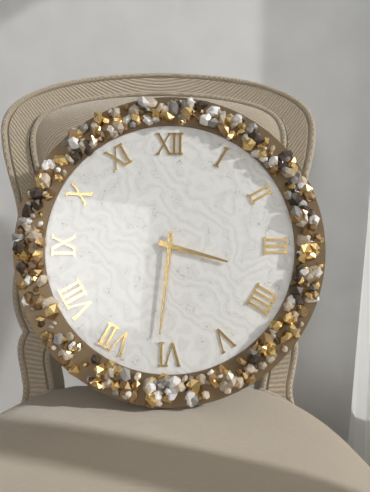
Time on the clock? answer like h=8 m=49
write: h=3 m=31
